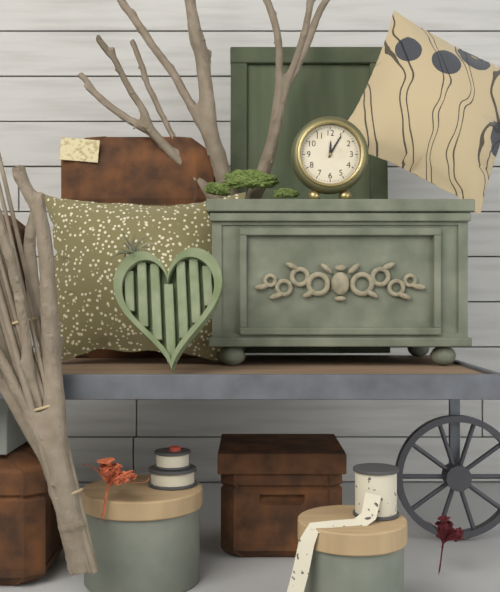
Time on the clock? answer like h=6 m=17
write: h=12 m=5
